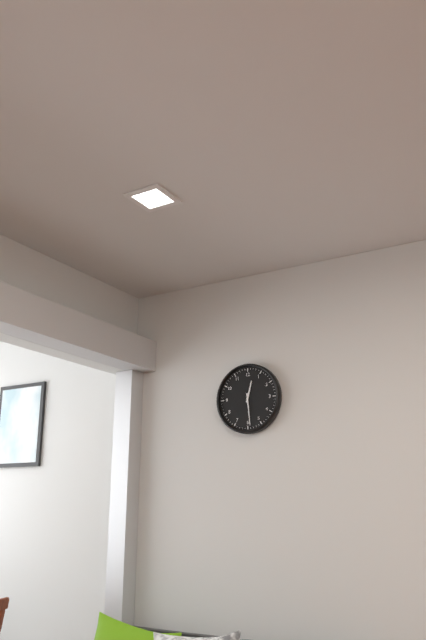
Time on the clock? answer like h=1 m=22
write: h=12 m=29
